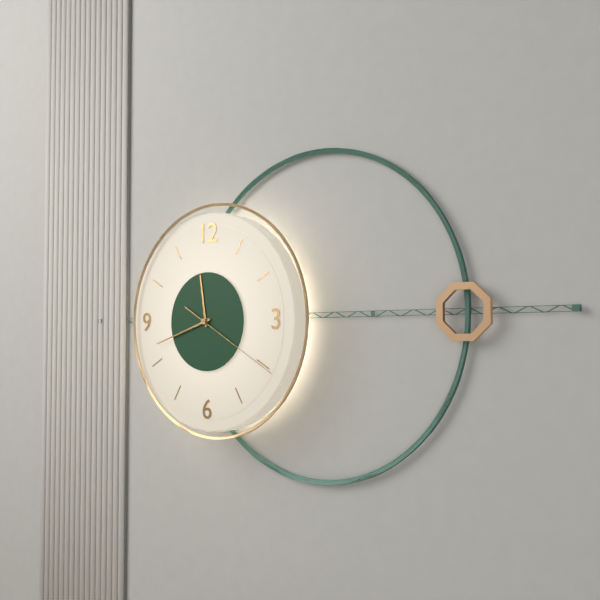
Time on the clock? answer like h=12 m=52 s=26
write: h=11 m=42 s=20
